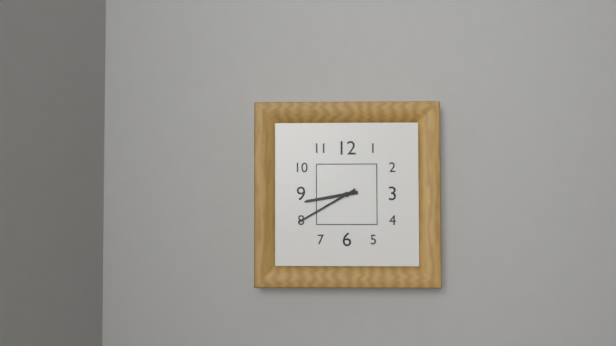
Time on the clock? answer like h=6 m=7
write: h=8 m=40
